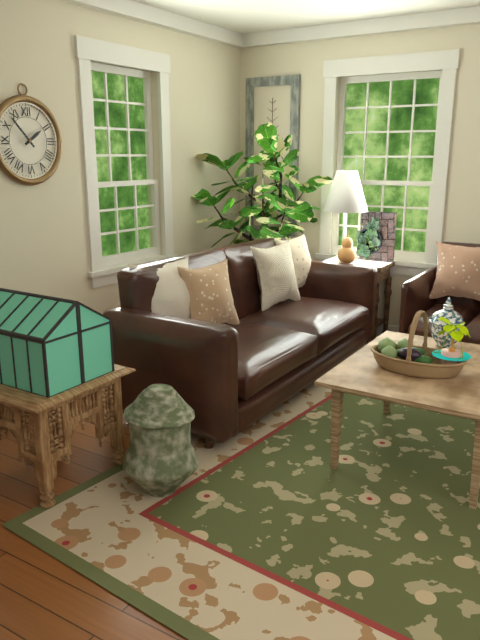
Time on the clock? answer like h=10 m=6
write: h=1 m=53
